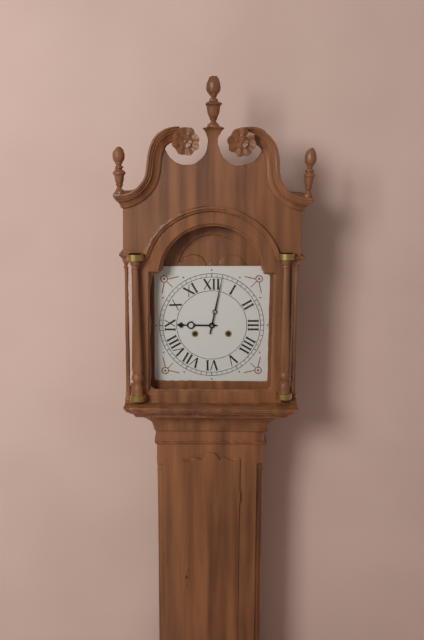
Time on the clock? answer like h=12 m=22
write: h=9 m=2
